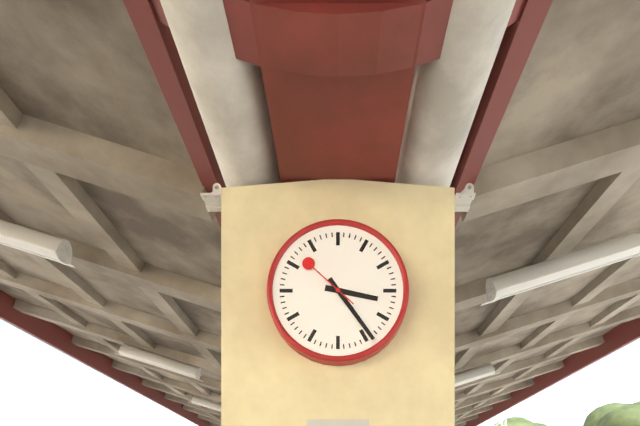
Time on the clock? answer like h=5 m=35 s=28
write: h=3 m=24 s=52
